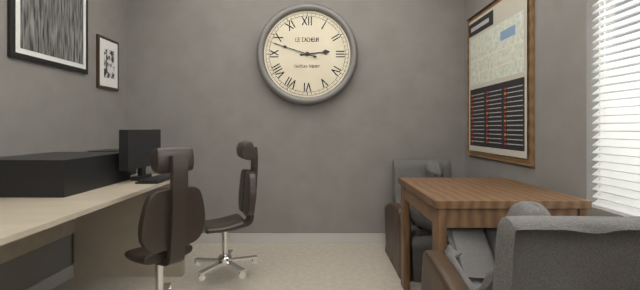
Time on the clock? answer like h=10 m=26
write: h=2 m=48
